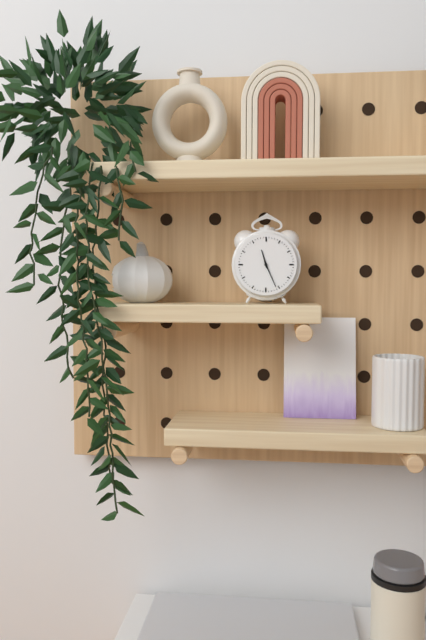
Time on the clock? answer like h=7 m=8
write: h=11 m=26
